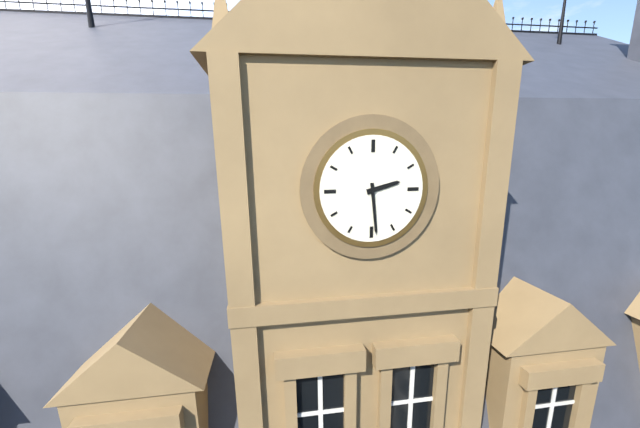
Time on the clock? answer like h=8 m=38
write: h=2 m=29
